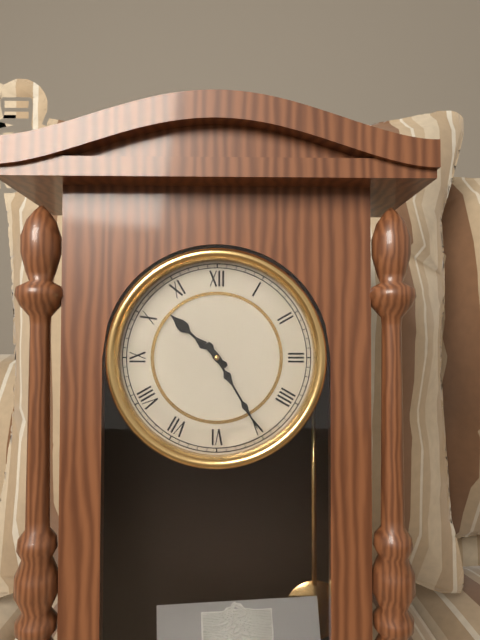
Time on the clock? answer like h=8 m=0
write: h=10 m=25
